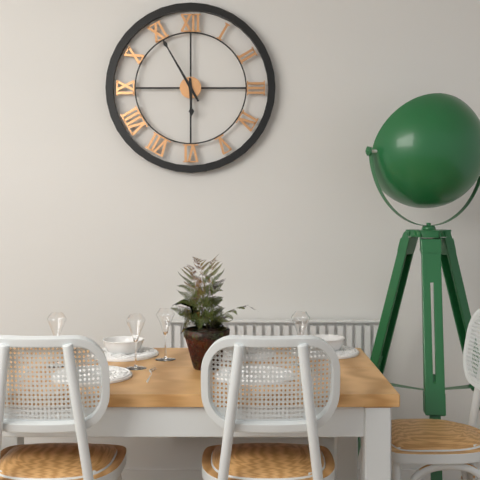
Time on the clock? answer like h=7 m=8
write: h=5 m=55
